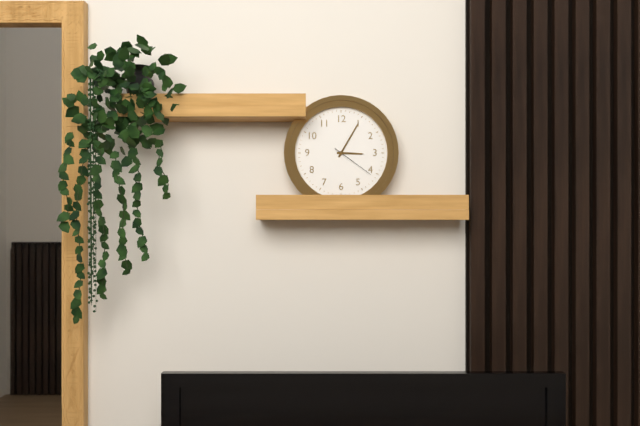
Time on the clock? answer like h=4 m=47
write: h=3 m=5
